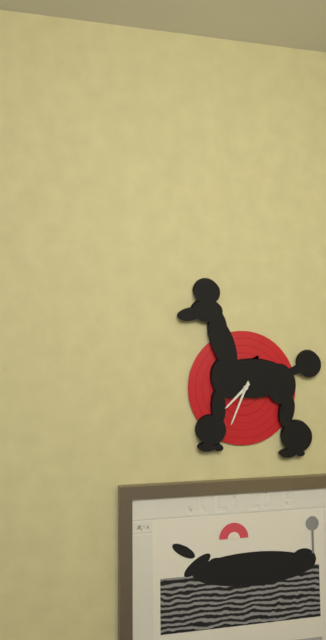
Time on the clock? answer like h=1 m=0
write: h=7 m=34
